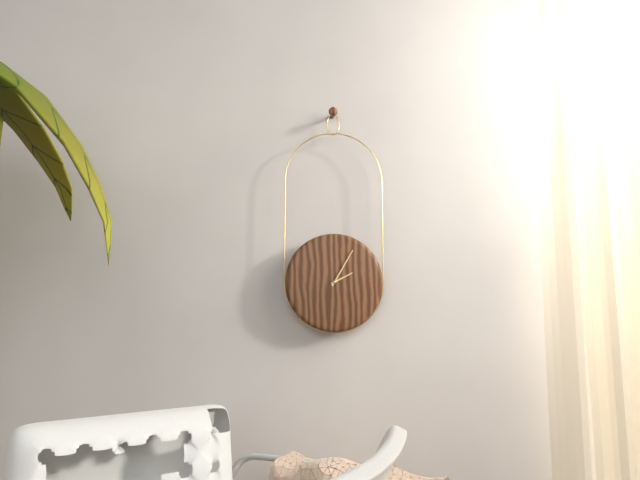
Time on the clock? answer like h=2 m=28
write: h=2 m=5
